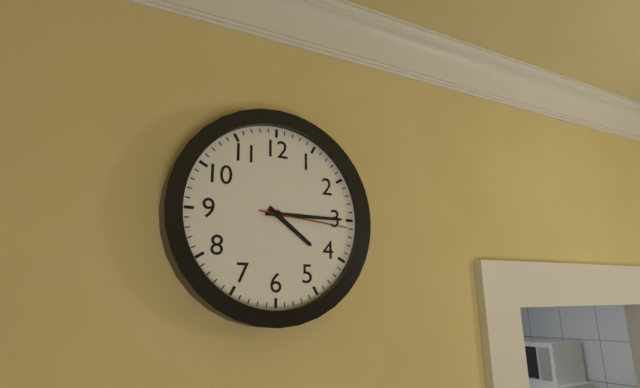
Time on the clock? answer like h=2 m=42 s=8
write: h=4 m=15 s=16
